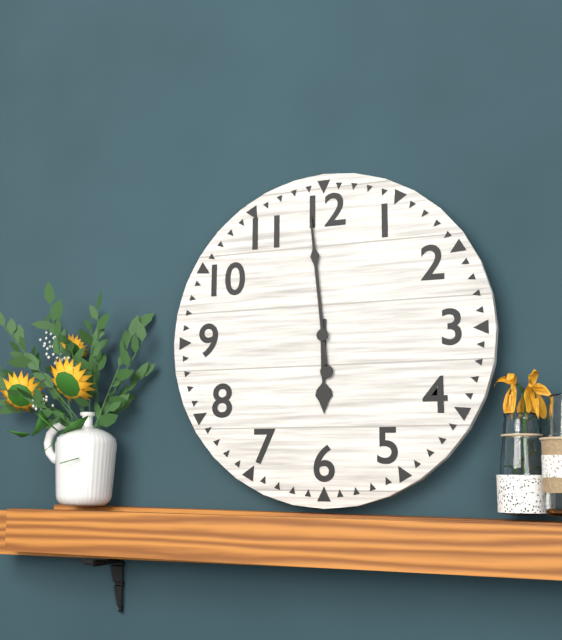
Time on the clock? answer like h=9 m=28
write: h=5 m=59
